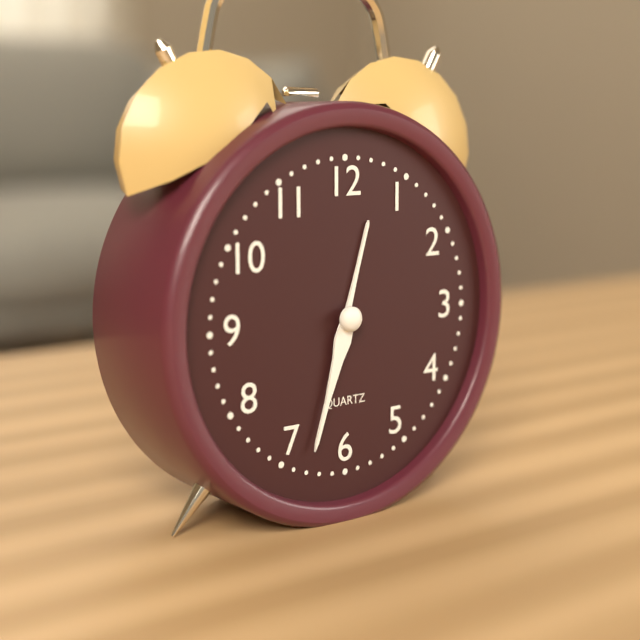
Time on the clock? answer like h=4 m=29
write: h=12 m=33
